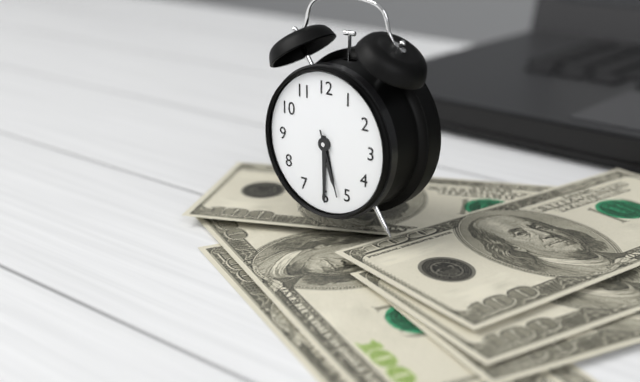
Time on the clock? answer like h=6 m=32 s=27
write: h=5 m=30 s=27
